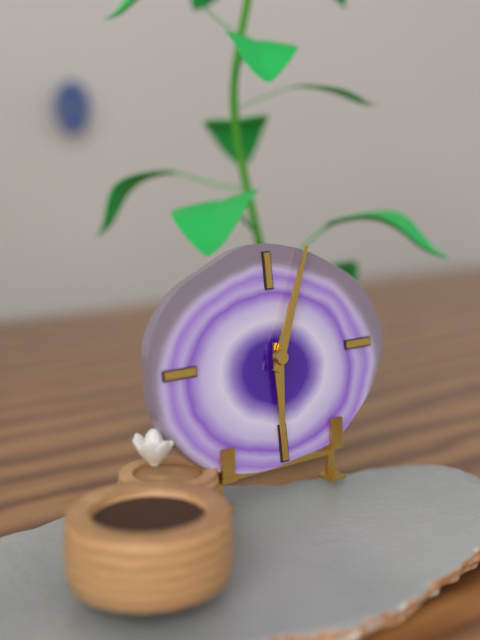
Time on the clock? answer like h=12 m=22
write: h=6 m=4
